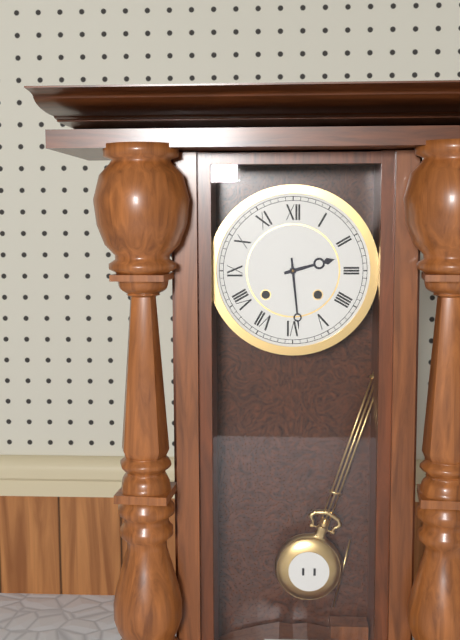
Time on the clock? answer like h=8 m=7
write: h=2 m=29
